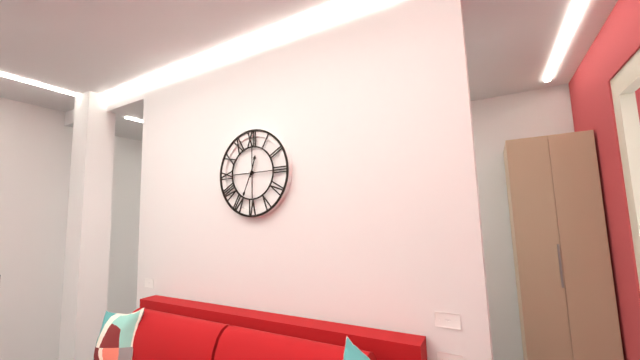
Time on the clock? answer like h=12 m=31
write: h=12 m=34
